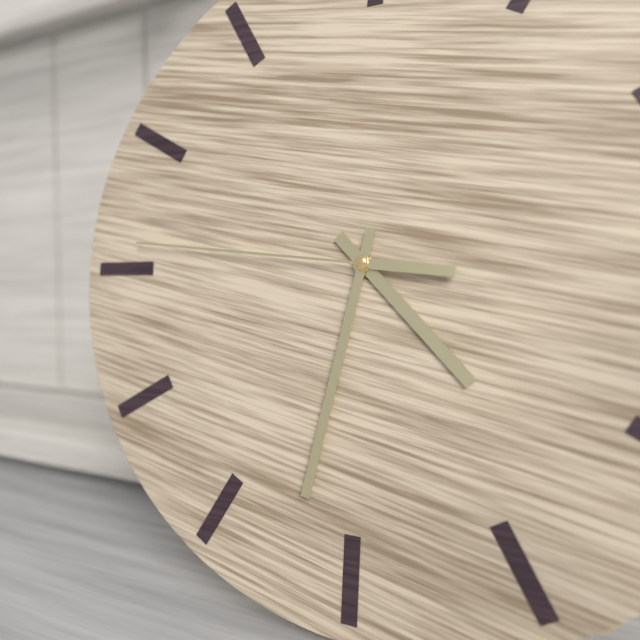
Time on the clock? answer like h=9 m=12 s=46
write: h=4 m=32 s=46
